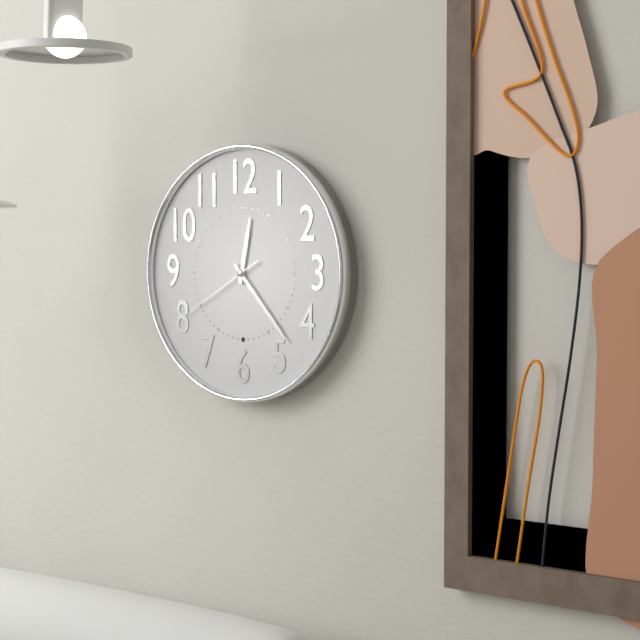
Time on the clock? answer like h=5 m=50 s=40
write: h=12 m=23 s=40
